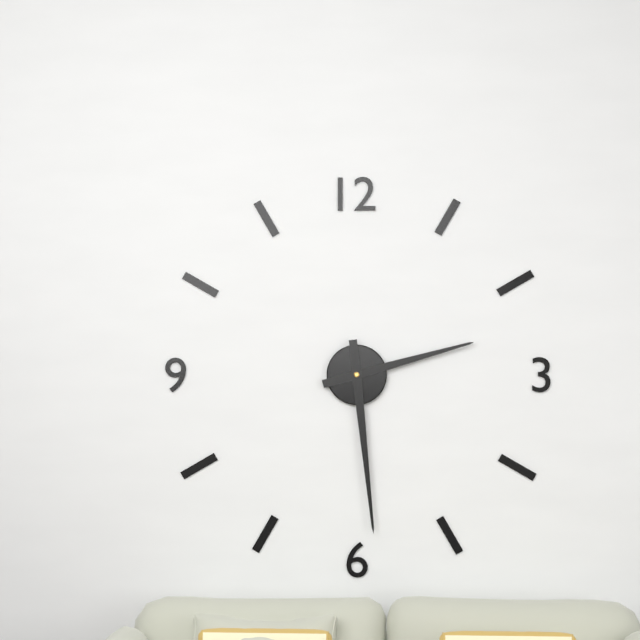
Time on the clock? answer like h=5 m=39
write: h=2 m=29
